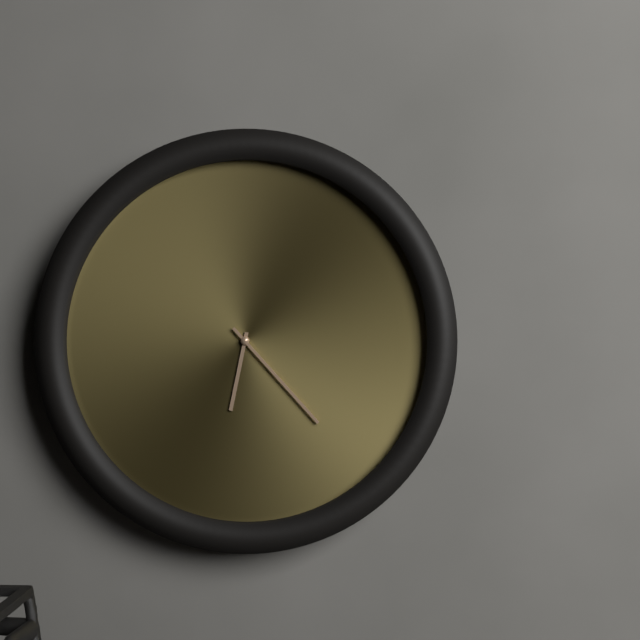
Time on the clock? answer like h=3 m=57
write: h=6 m=23
